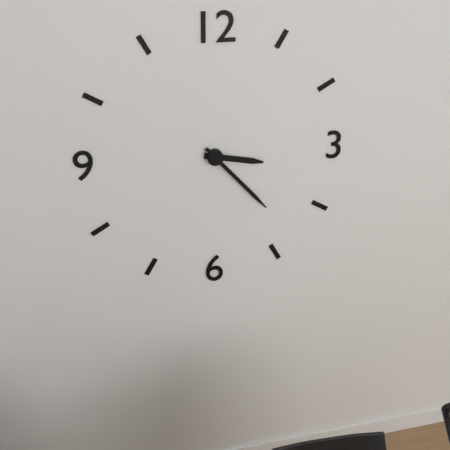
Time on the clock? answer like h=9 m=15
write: h=3 m=23
